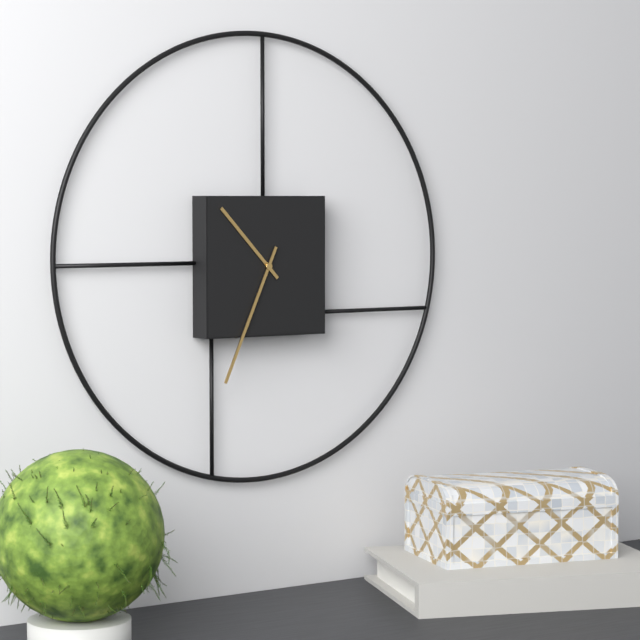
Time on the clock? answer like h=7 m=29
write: h=10 m=34
